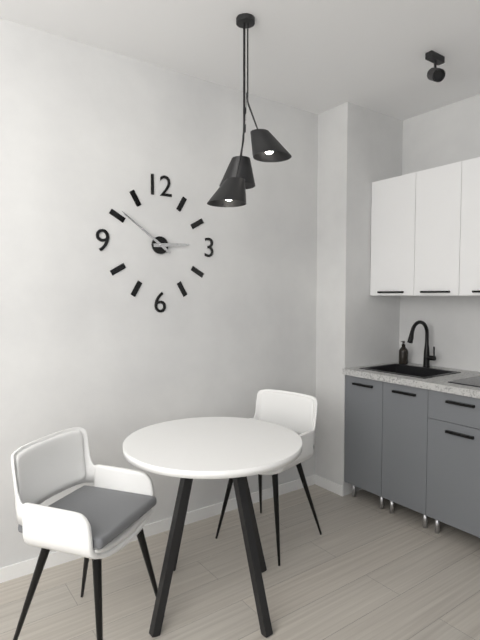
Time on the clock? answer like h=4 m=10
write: h=2 m=51
